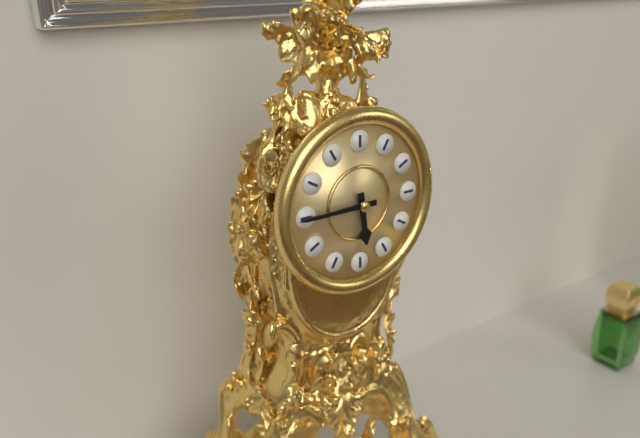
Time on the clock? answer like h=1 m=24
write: h=5 m=45
